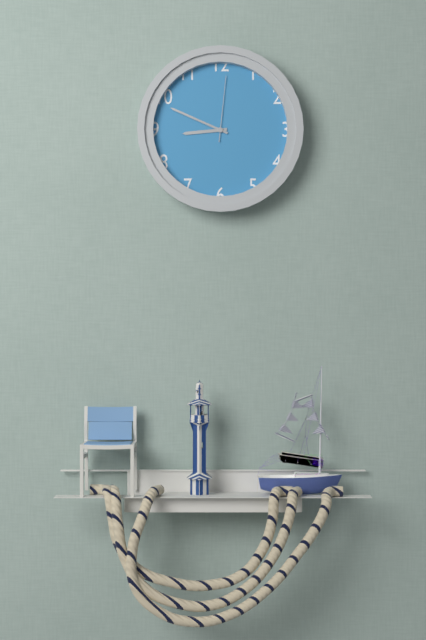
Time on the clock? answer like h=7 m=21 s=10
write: h=8 m=49 s=1
